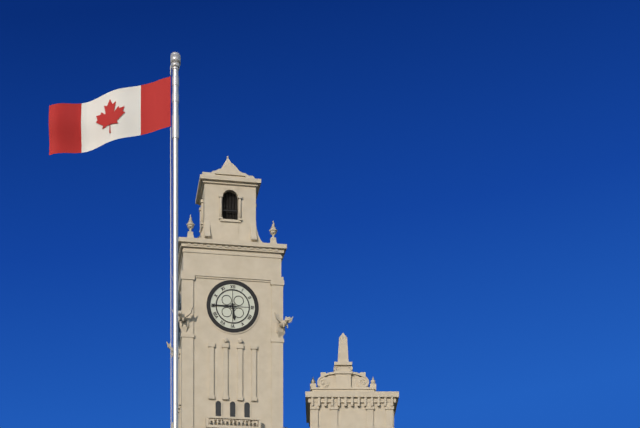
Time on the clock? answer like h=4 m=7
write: h=5 m=45
